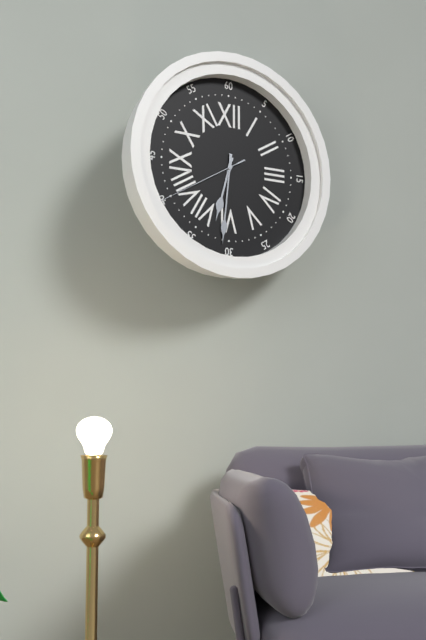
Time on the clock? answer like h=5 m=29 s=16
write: h=6 m=31 s=40
